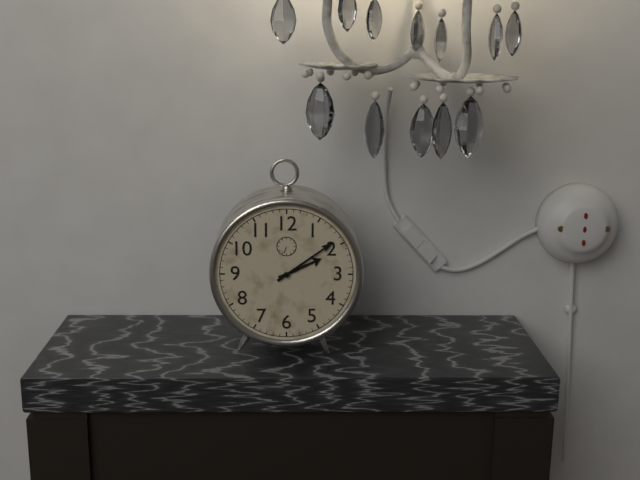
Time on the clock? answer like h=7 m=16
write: h=2 m=9
